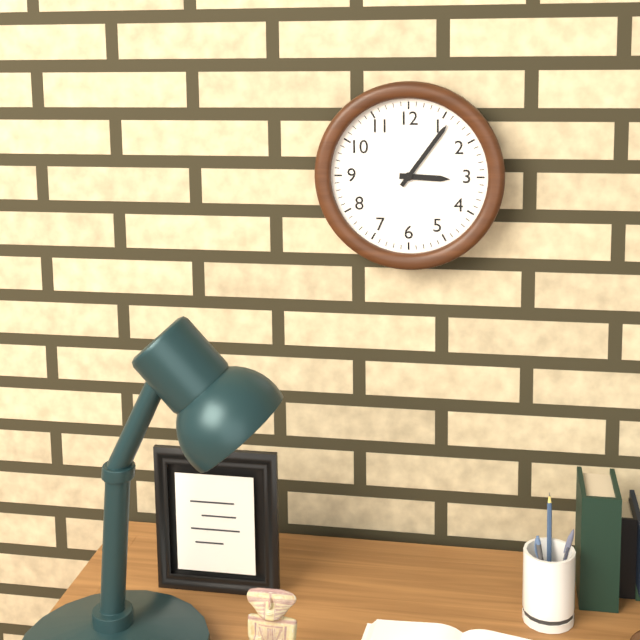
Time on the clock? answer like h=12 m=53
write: h=3 m=6
